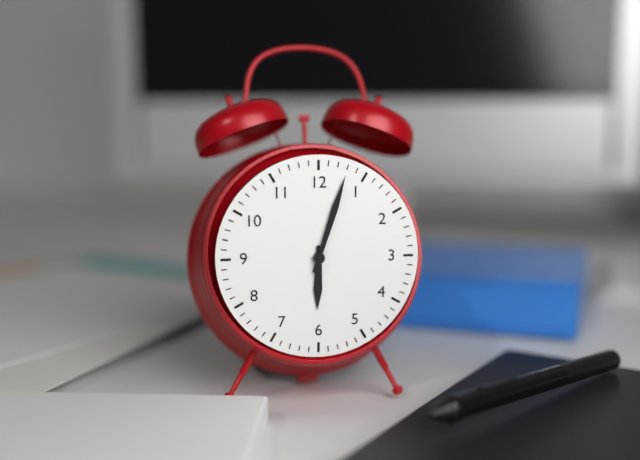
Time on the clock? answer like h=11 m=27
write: h=6 m=3
